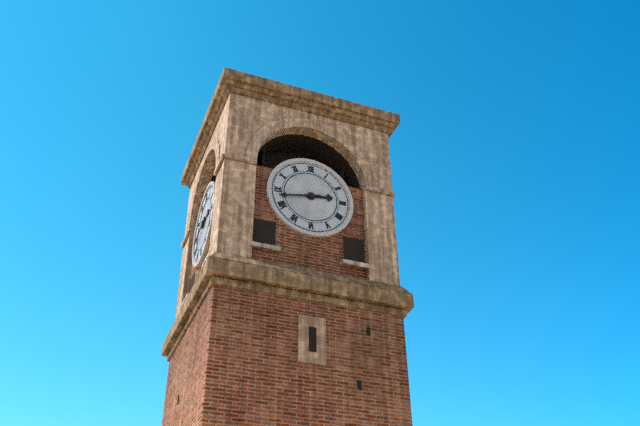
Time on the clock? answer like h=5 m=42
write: h=2 m=43
